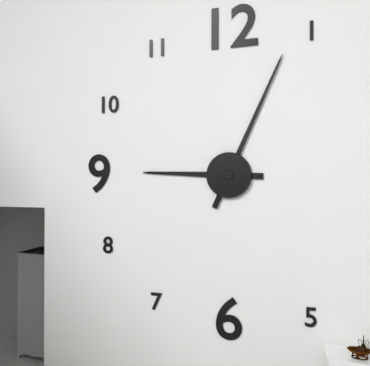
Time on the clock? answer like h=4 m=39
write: h=9 m=4
